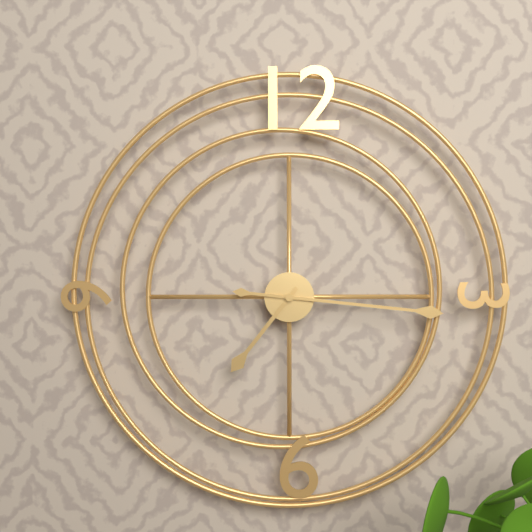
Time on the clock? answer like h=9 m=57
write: h=7 m=16
